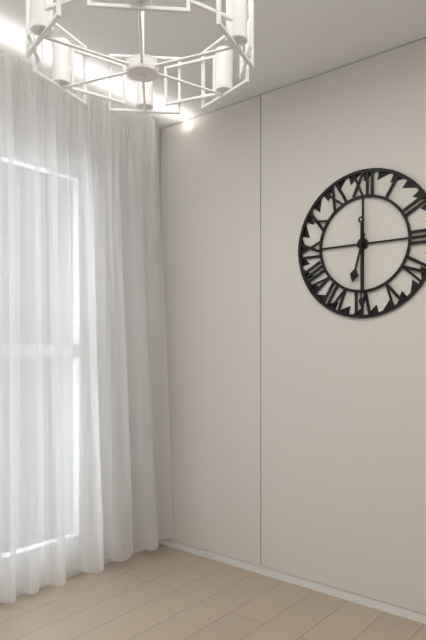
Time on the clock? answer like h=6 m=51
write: h=6 m=30
